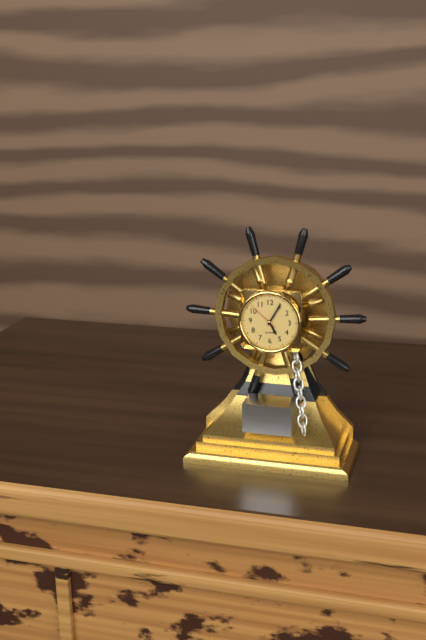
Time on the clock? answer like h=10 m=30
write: h=5 m=5
